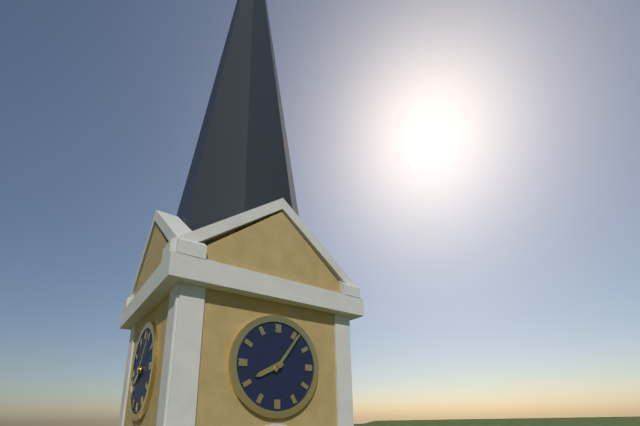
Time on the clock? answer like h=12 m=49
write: h=8 m=6
